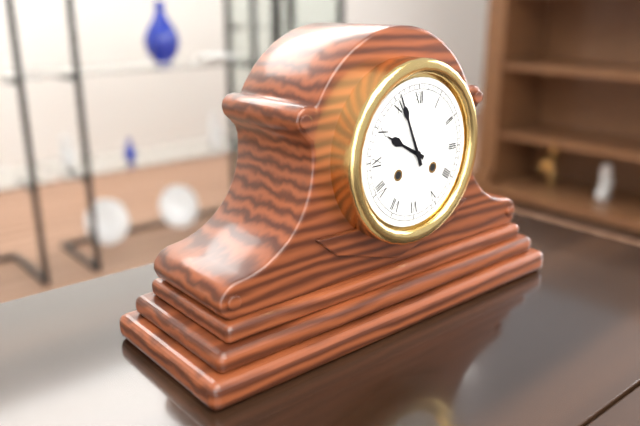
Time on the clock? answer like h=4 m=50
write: h=9 m=56
